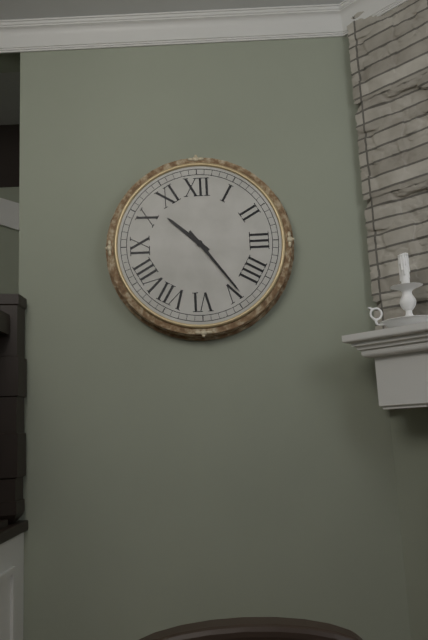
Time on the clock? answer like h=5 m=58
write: h=10 m=24
